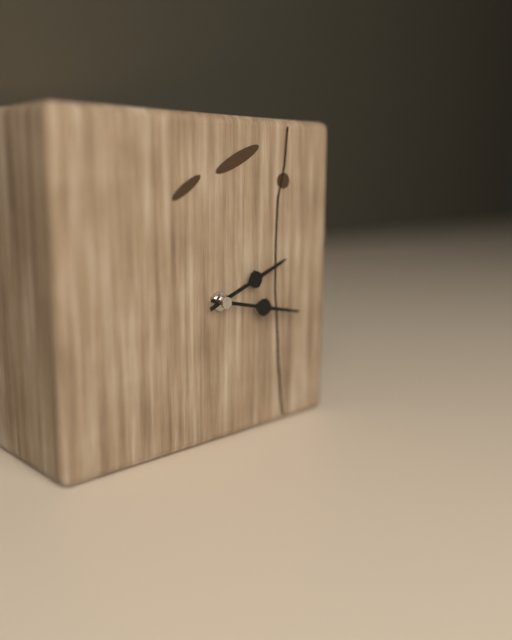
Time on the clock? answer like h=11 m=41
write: h=2 m=17
